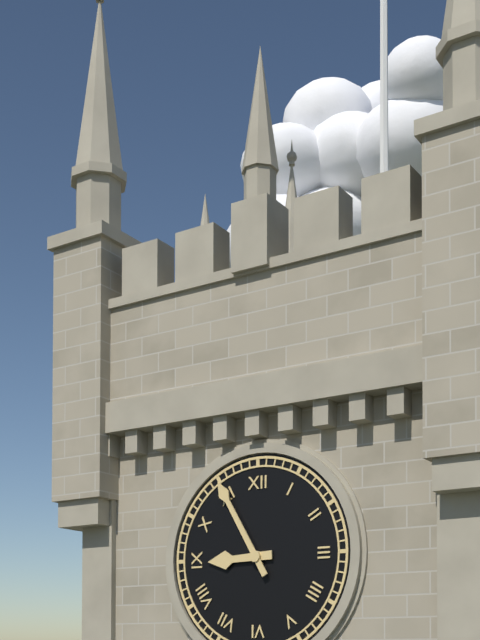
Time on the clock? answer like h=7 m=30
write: h=8 m=55
